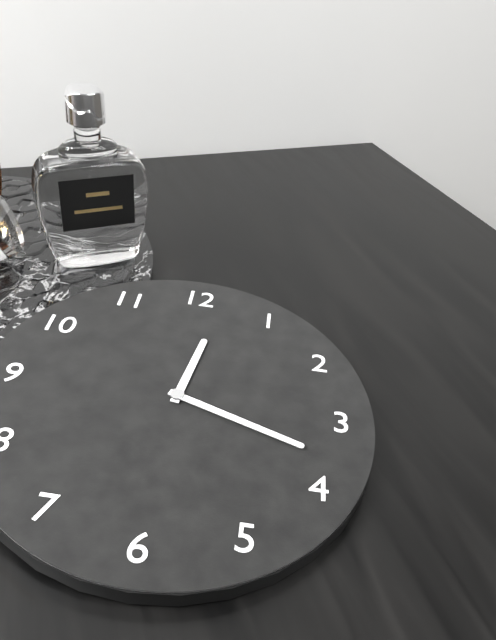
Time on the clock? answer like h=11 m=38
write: h=12 m=18
